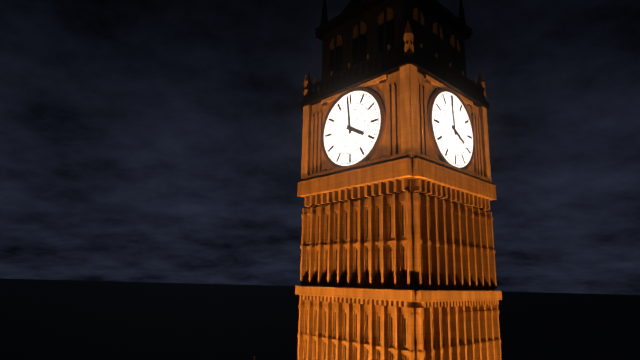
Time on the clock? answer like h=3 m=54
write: h=3 m=59
